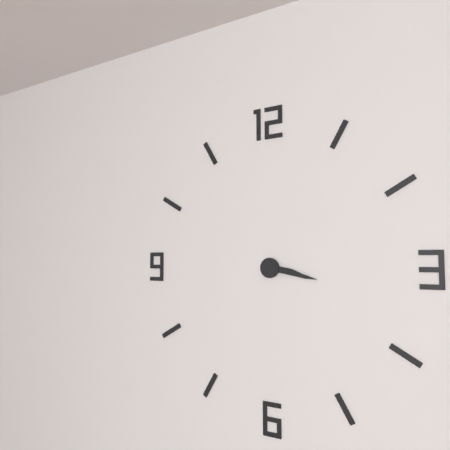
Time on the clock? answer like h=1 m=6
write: h=3 m=17
